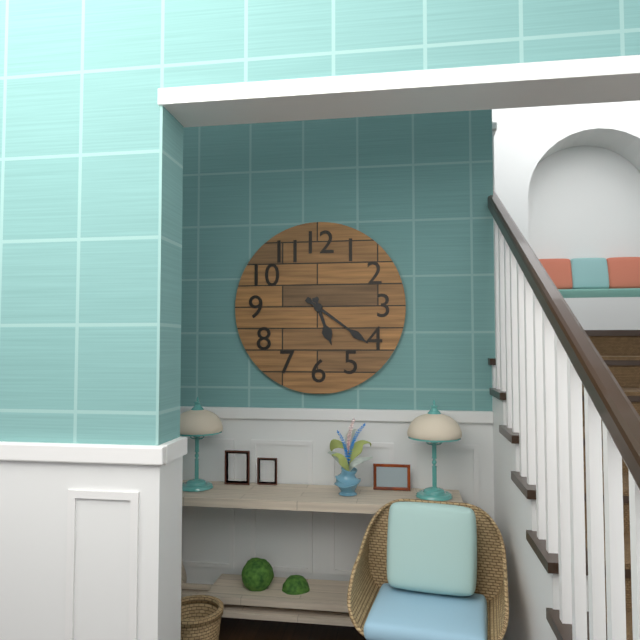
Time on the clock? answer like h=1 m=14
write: h=5 m=21
